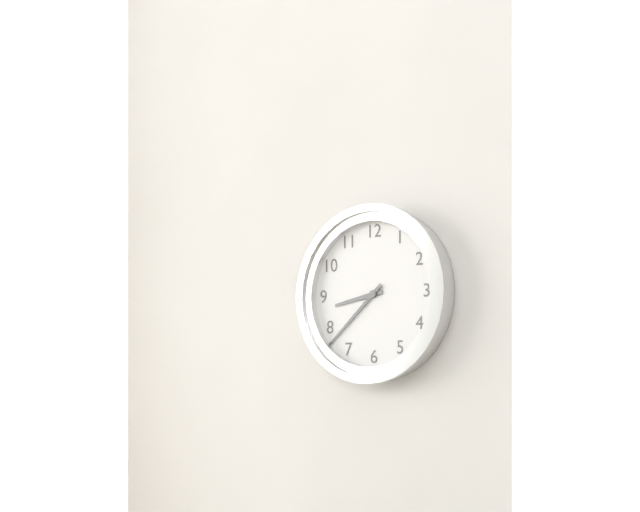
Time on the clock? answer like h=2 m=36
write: h=8 m=38
